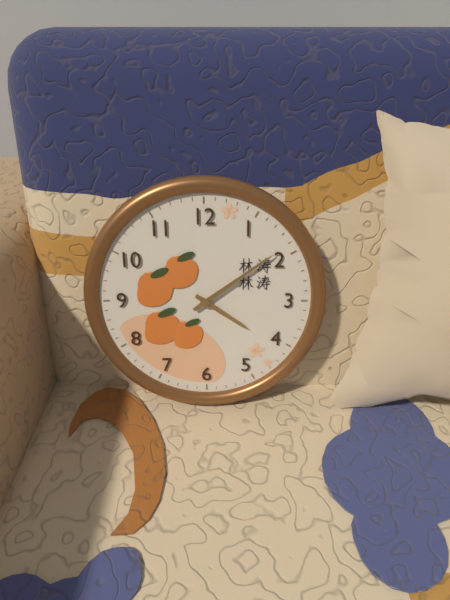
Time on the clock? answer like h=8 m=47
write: h=4 m=9
